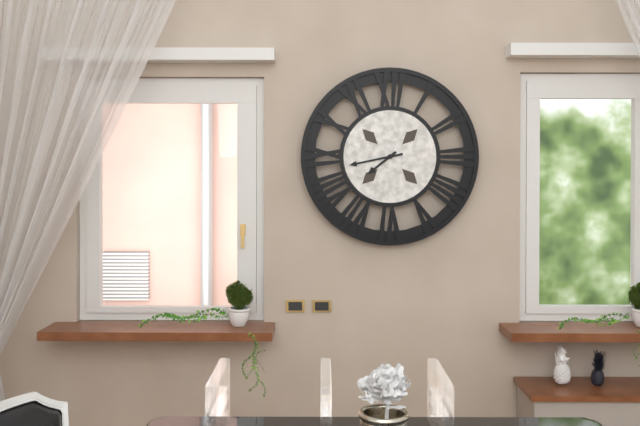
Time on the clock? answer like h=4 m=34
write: h=7 m=43
